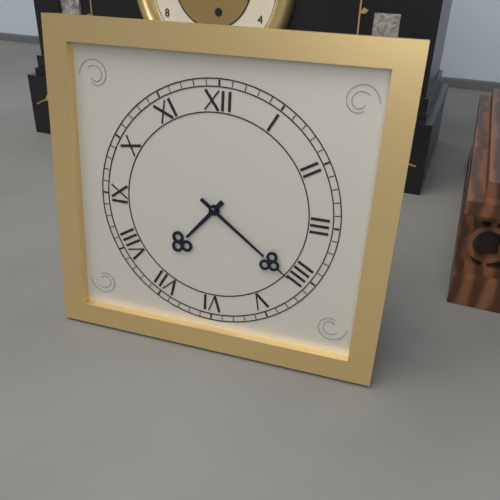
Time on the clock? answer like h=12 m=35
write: h=7 m=21
